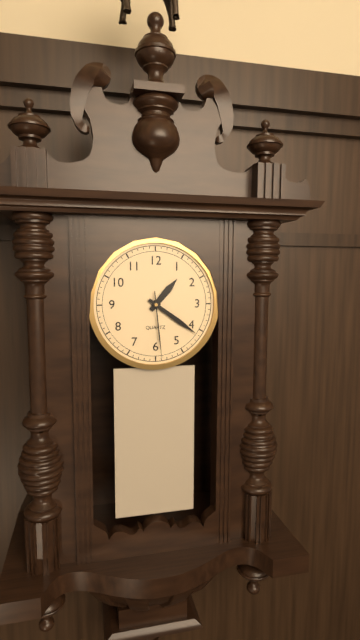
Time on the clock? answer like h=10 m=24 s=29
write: h=1 m=21 s=29
